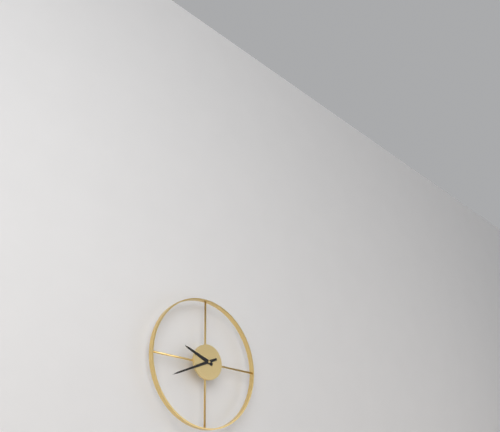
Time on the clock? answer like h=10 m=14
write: h=9 m=41
